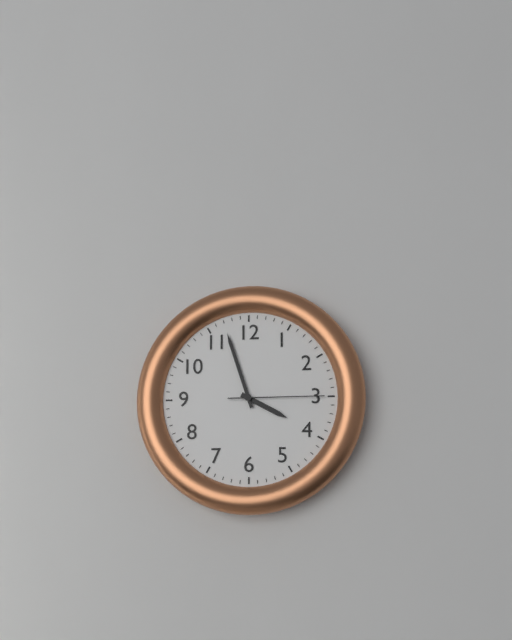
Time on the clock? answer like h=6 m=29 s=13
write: h=3 m=57 s=15
